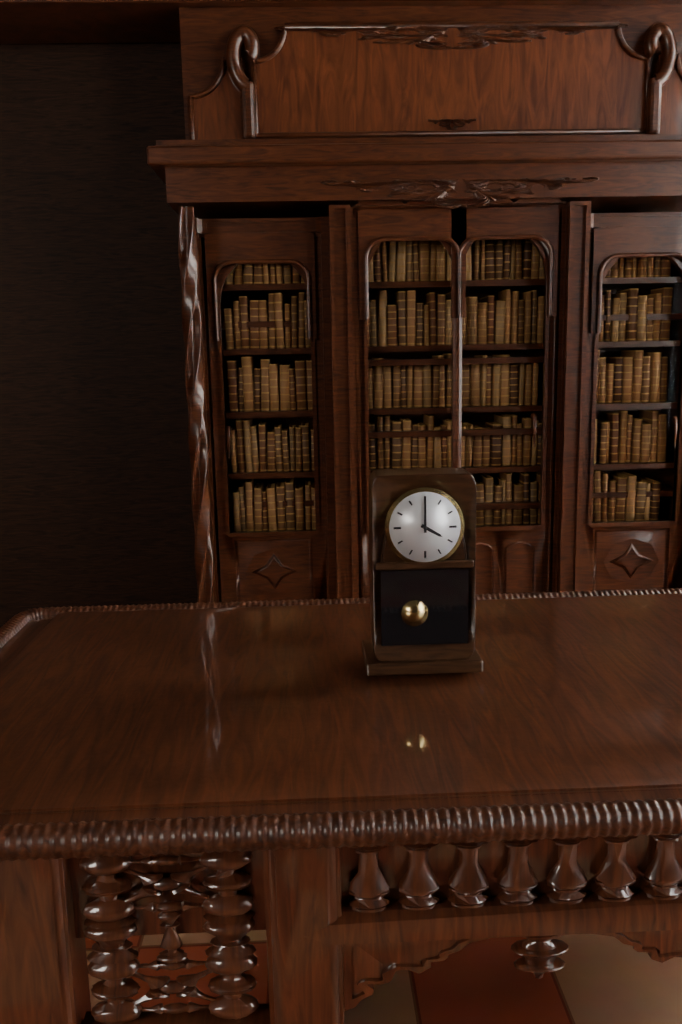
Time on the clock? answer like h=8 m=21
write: h=4 m=0
